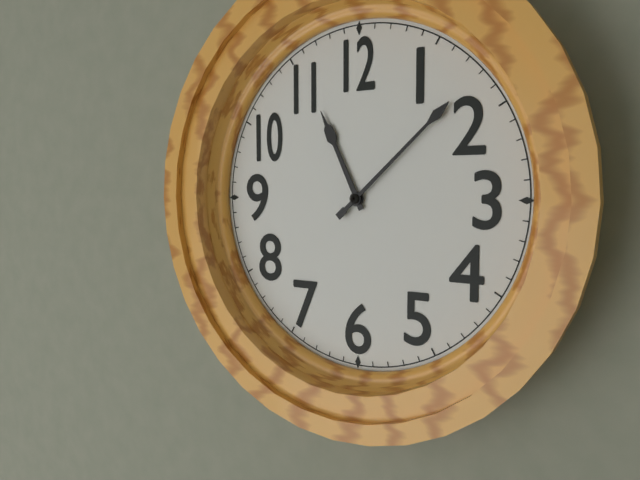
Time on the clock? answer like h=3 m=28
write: h=11 m=8
